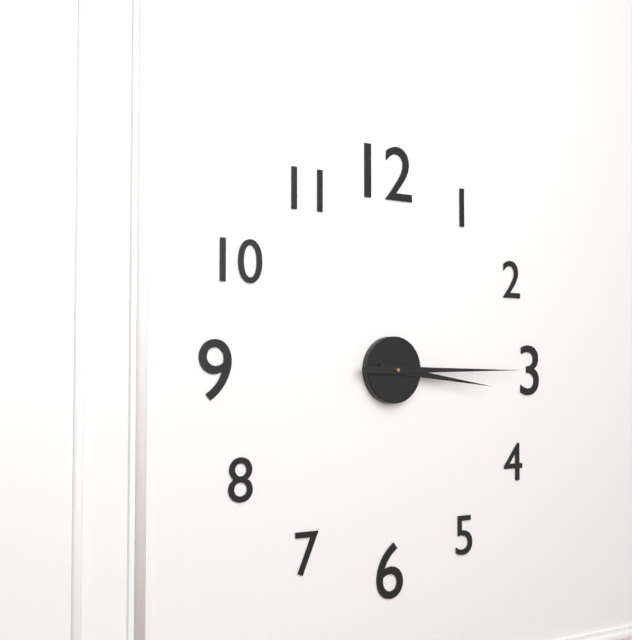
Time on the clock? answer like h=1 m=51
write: h=3 m=15
